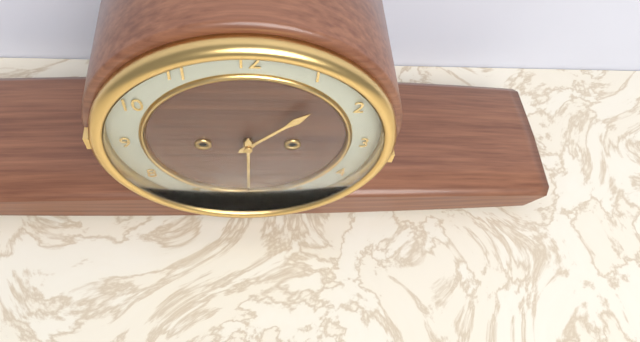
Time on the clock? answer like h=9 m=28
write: h=1 m=30
